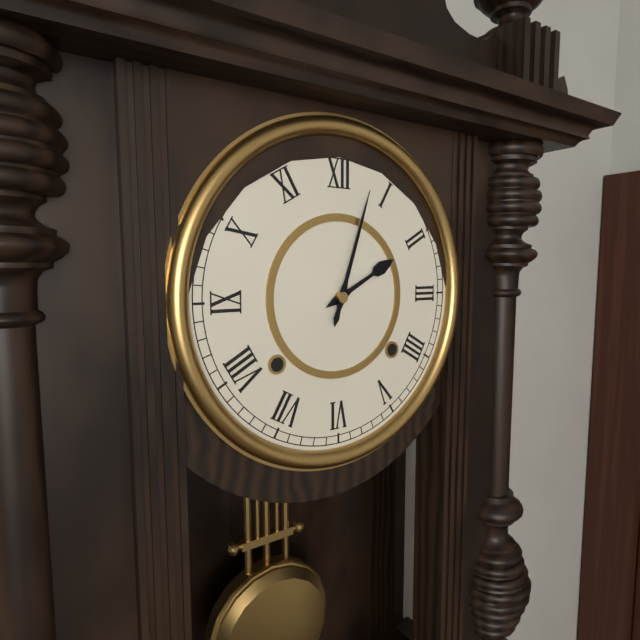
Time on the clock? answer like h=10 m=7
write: h=2 m=3
